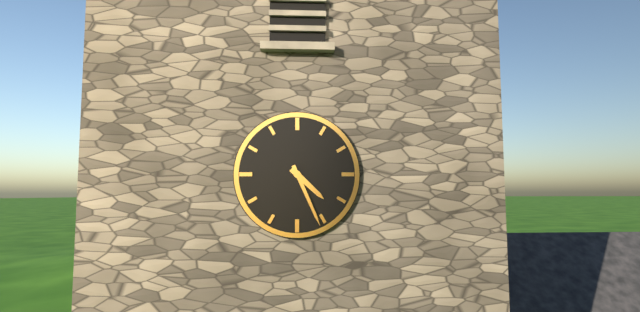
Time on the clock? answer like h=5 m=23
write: h=4 m=26
